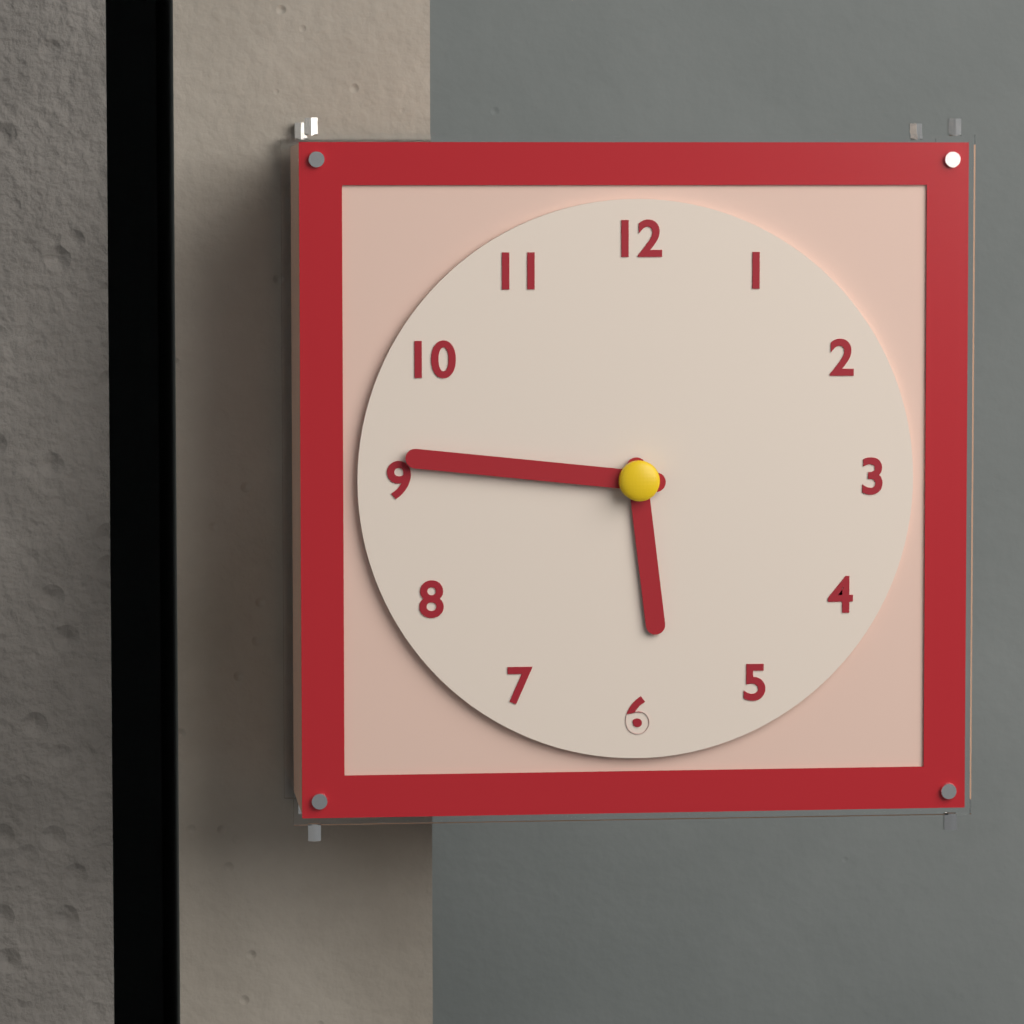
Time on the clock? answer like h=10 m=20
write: h=5 m=46
